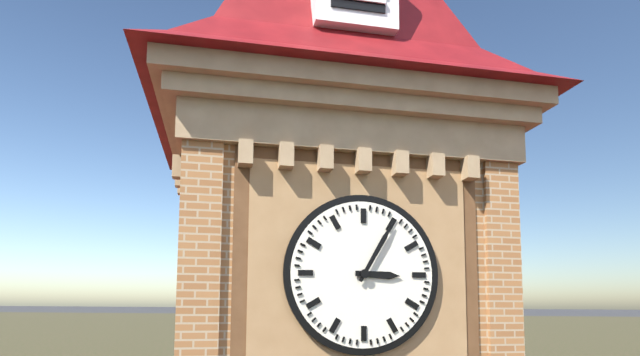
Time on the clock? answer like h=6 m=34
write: h=3 m=5
